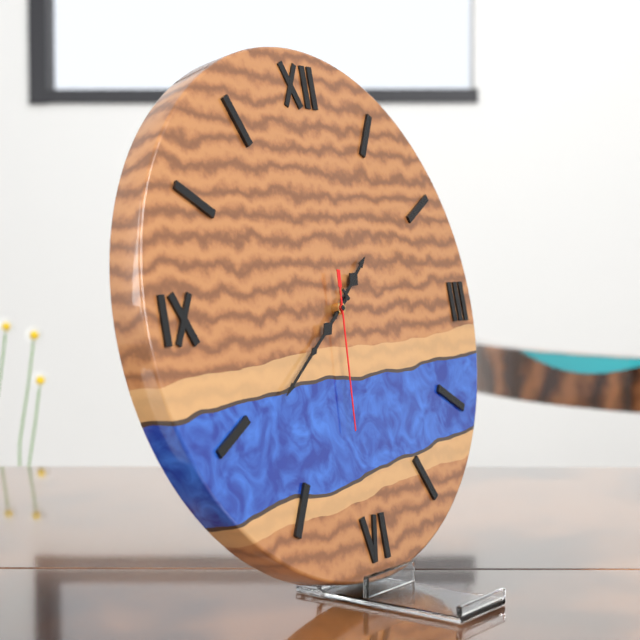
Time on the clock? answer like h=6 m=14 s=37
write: h=1 m=39 s=31
